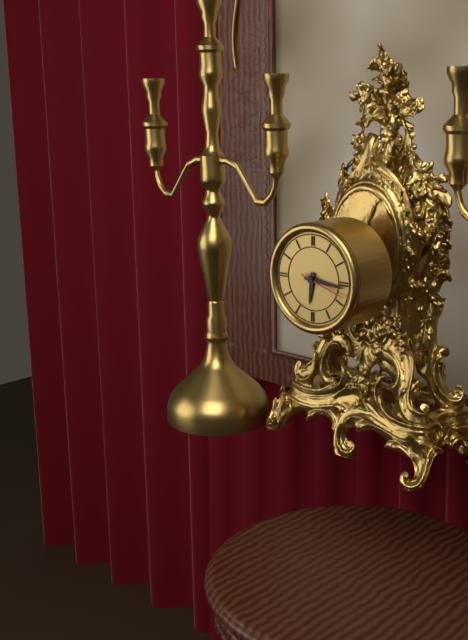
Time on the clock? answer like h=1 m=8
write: h=6 m=16
